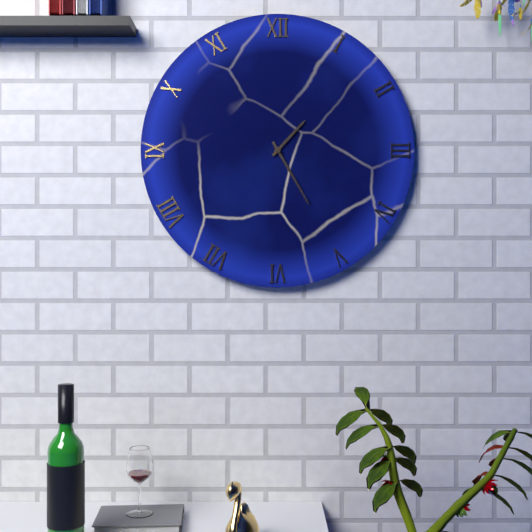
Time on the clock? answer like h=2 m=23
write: h=1 m=25
